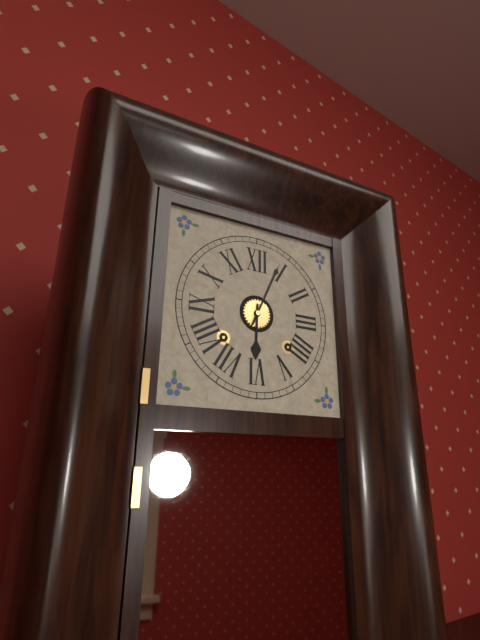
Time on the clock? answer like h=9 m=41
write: h=6 m=4
